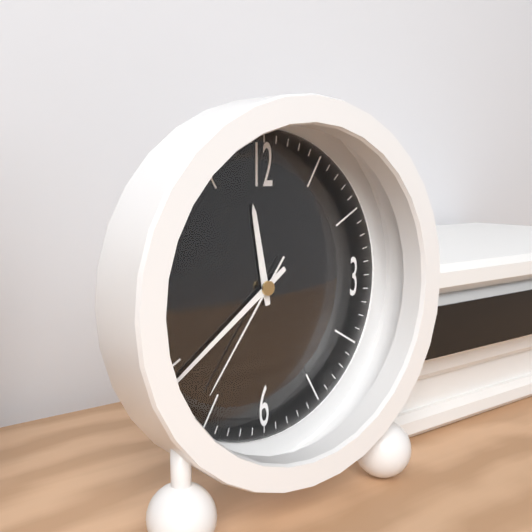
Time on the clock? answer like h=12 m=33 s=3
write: h=11 m=39 s=36
